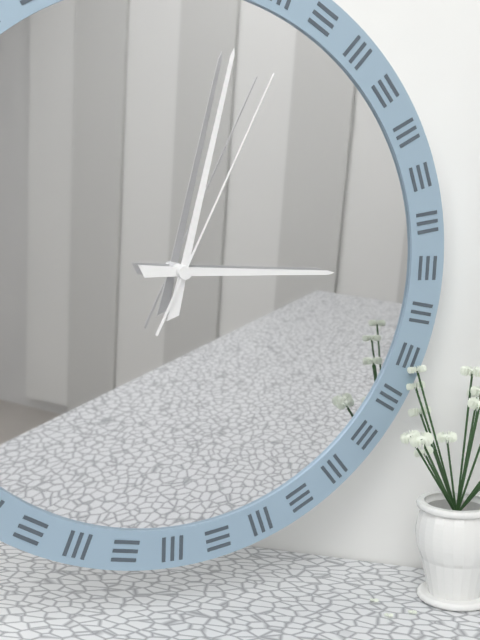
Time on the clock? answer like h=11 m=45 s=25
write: h=3 m=2 s=4
